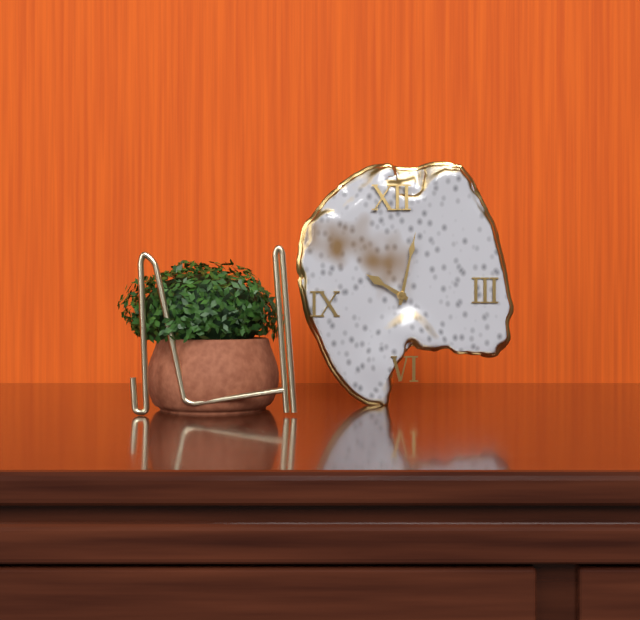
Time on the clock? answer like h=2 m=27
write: h=10 m=2
